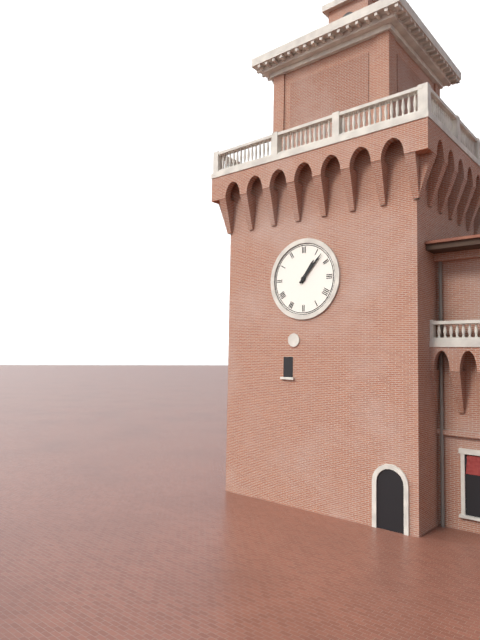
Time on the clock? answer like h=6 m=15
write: h=1 m=7
